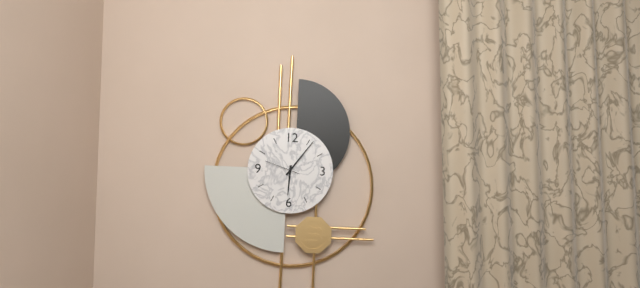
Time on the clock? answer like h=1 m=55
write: h=6 m=6
